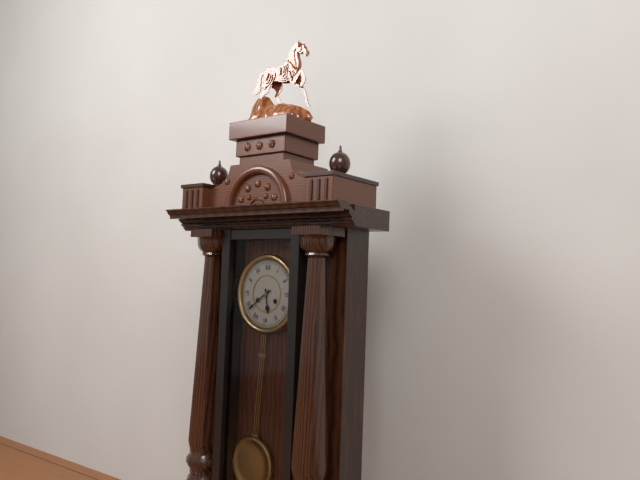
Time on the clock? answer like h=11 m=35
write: h=5 m=39
